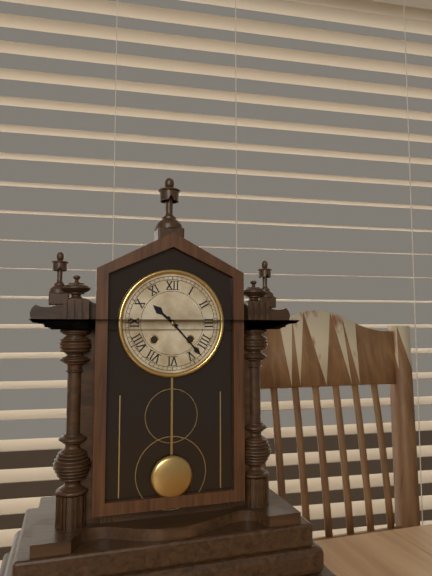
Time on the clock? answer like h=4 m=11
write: h=10 m=23
